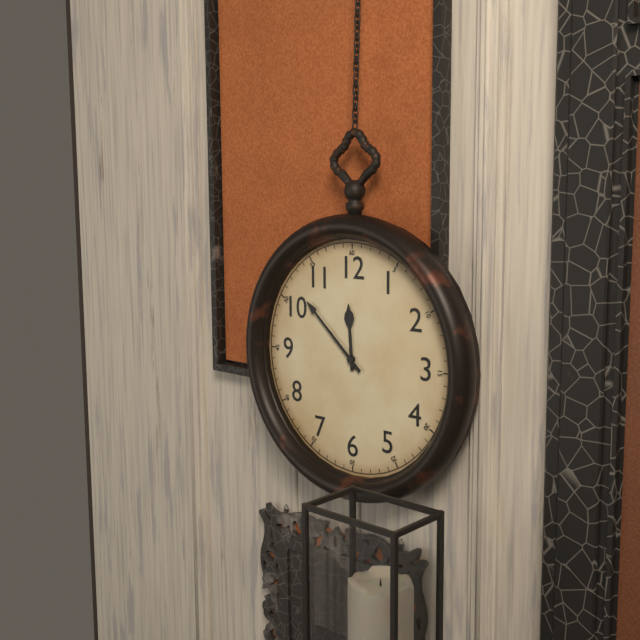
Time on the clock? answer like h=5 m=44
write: h=11 m=52
